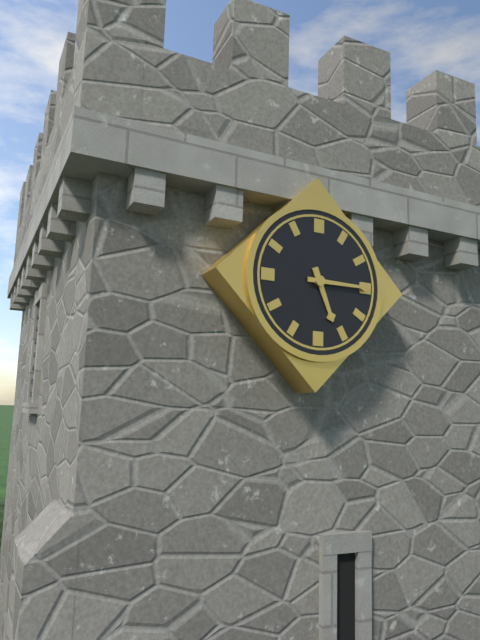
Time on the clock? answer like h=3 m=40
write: h=5 m=15
